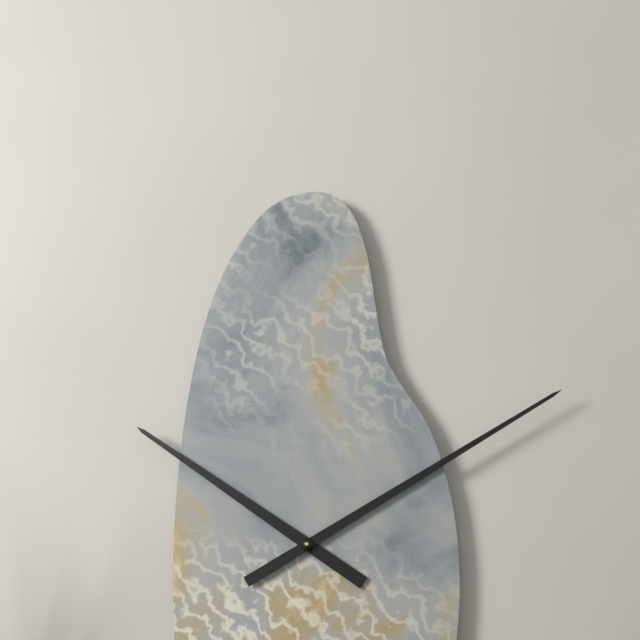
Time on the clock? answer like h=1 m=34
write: h=10 m=10
